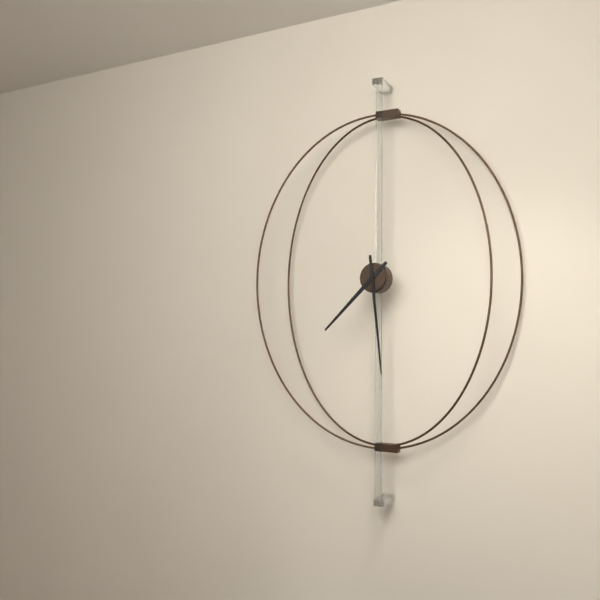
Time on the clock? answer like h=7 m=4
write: h=7 m=29
